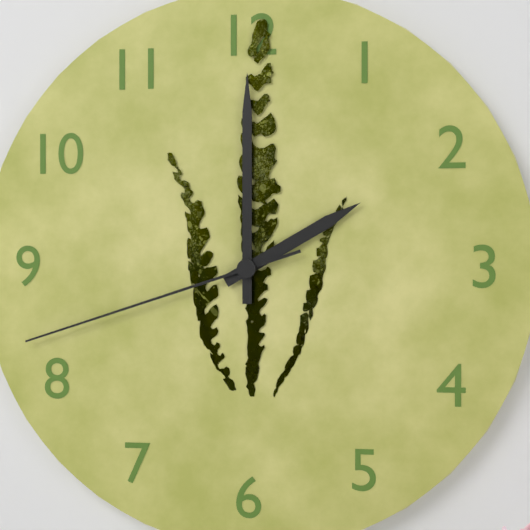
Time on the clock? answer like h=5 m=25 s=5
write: h=2 m=0 s=42
